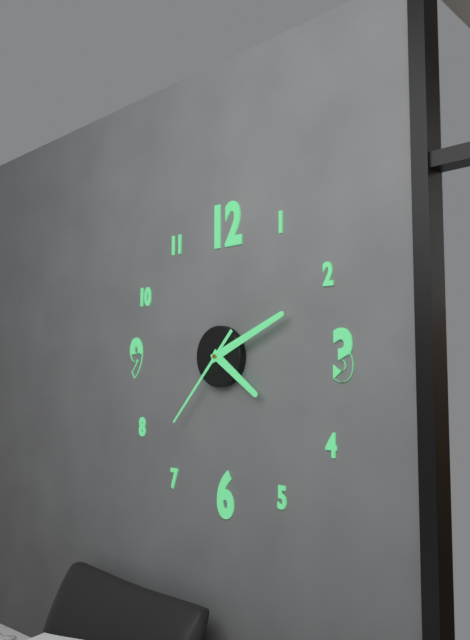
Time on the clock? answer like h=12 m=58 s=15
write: h=4 m=11 s=37
